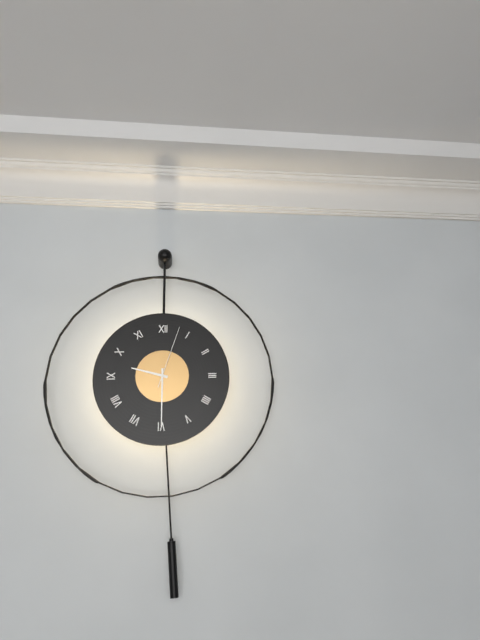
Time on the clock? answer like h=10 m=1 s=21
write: h=9 m=30 s=3
